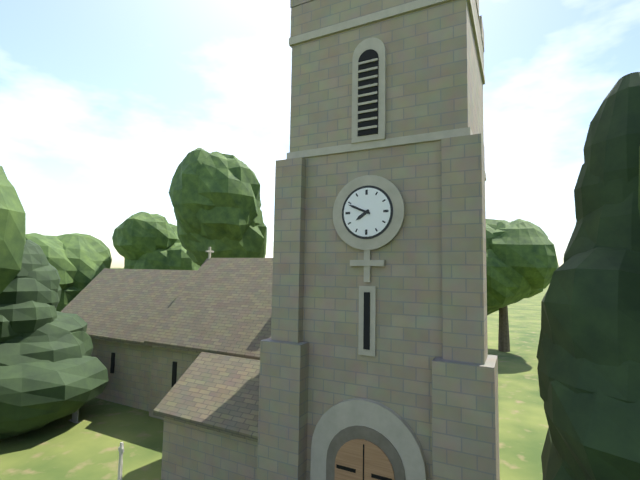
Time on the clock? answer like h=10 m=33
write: h=7 m=49
